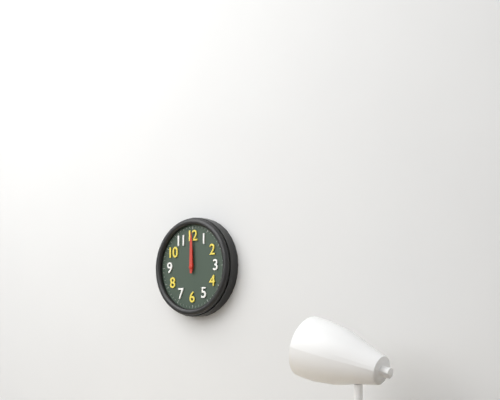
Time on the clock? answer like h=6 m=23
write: h=12 m=0
